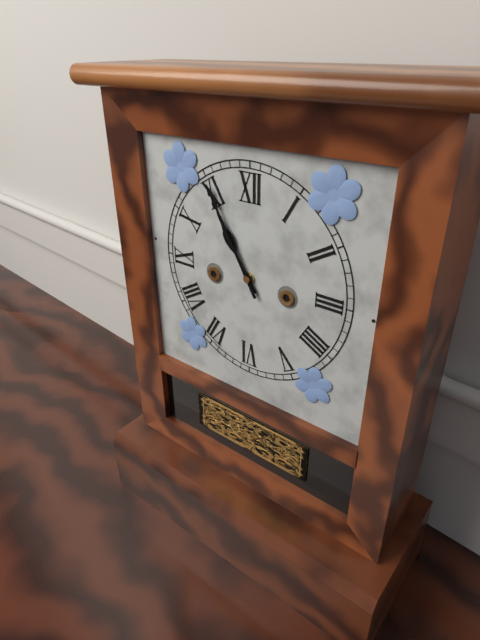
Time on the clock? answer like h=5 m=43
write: h=10 m=55
